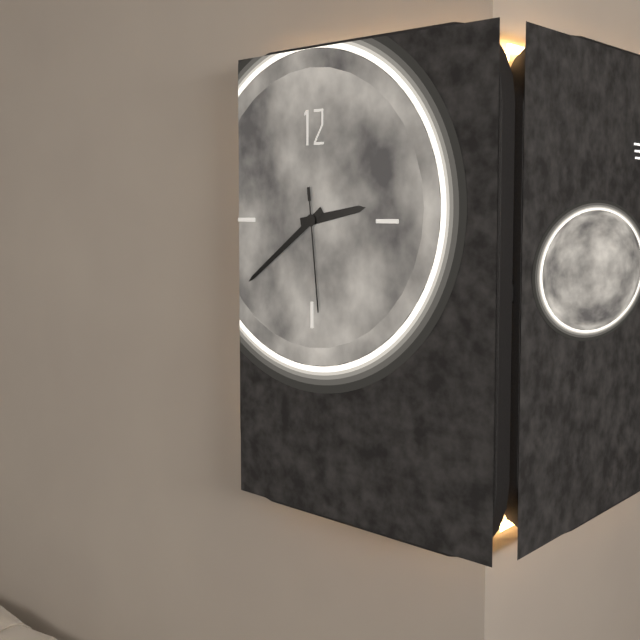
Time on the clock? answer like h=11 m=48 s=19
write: h=2 m=39 s=29
